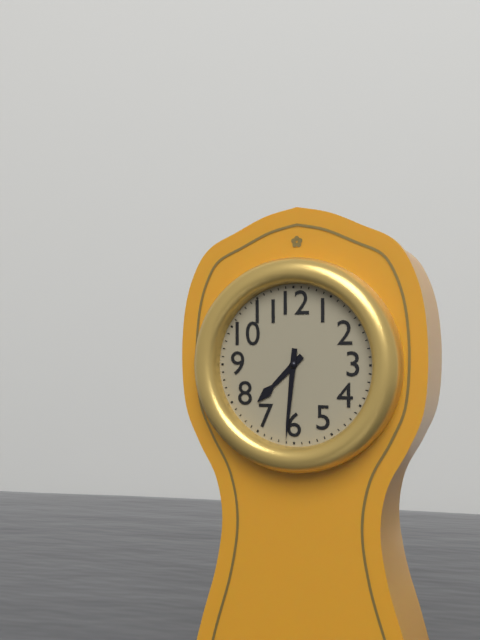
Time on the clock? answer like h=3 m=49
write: h=7 m=31
